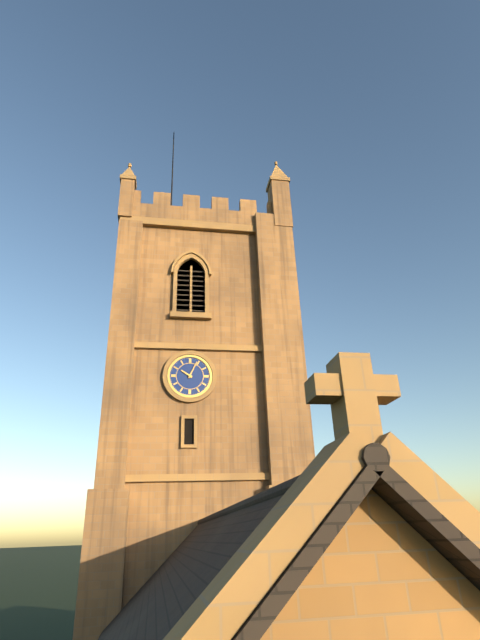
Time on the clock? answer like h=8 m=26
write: h=10 m=4
